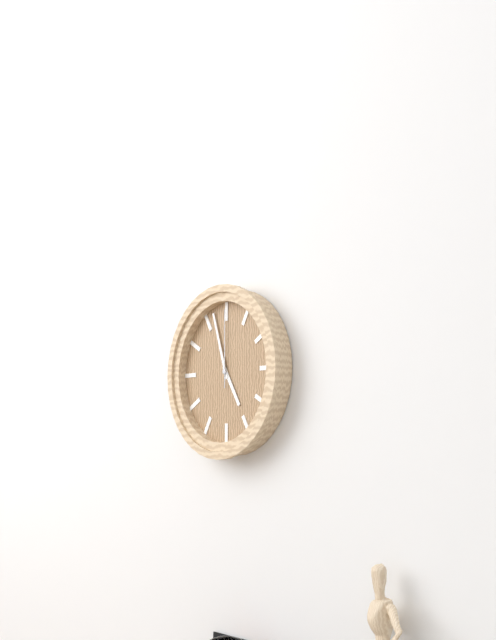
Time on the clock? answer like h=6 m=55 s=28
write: h=4 m=57 s=0
